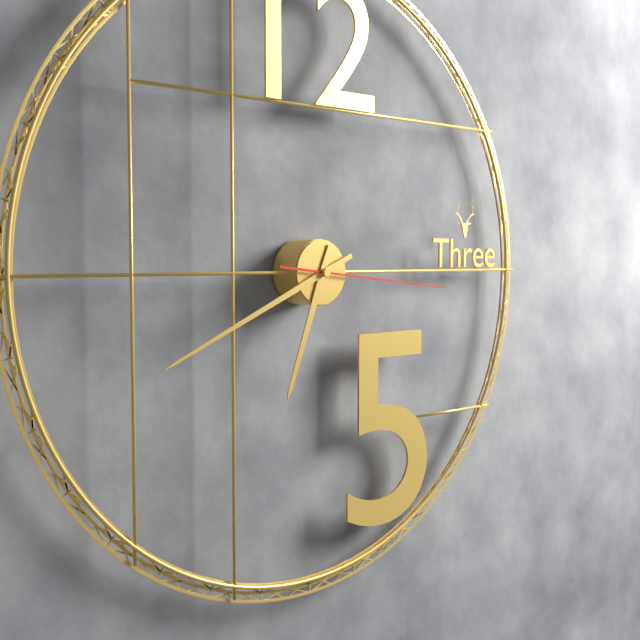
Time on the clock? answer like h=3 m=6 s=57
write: h=6 m=41 s=16
